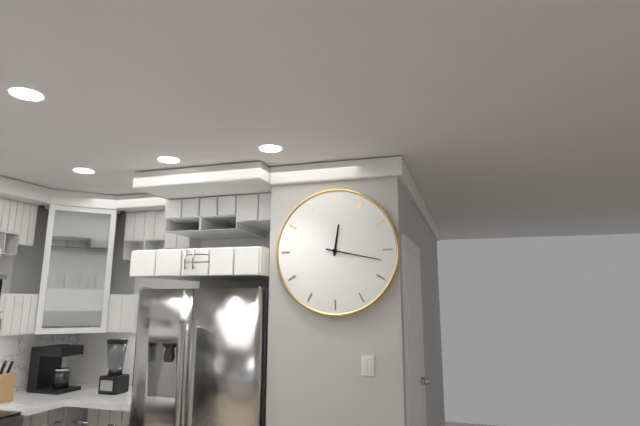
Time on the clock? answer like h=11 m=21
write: h=12 m=17
